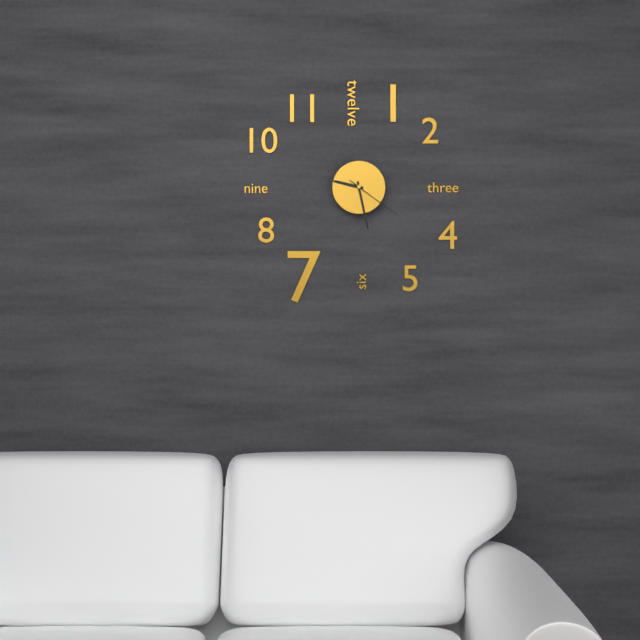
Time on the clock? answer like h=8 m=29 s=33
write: h=9 m=28 s=21
